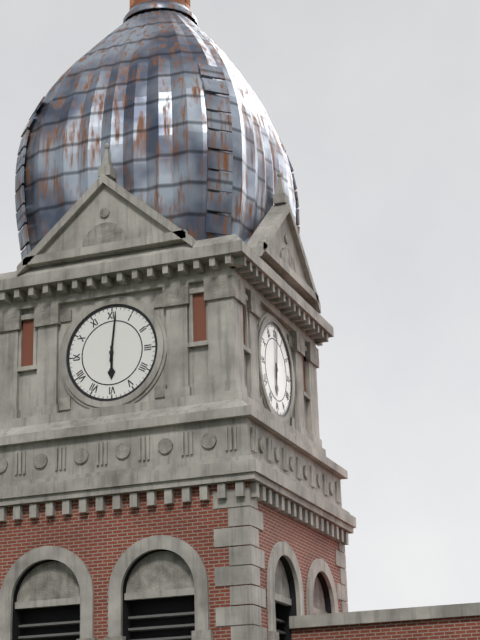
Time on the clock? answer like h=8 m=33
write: h=6 m=1
